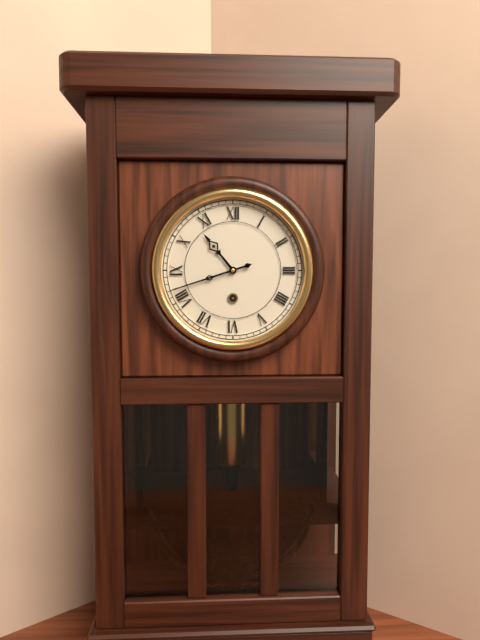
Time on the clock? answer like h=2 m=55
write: h=10 m=42
